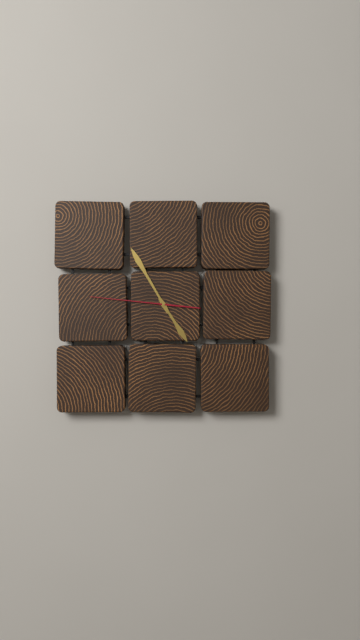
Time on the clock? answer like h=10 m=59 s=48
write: h=4 m=55 s=46
